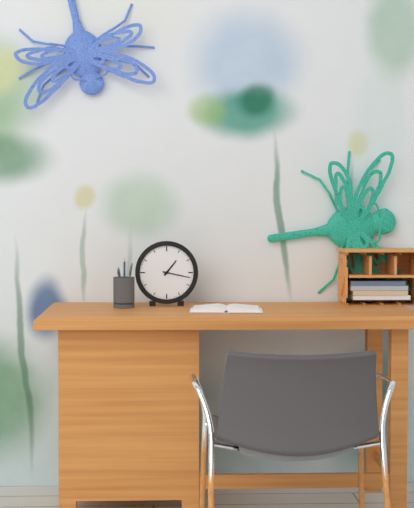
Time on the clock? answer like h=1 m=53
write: h=1 m=17
